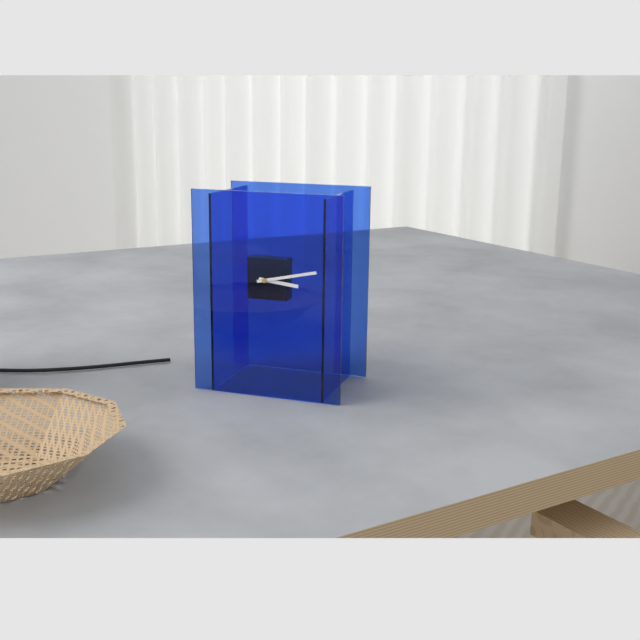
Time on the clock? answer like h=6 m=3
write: h=3 m=13
